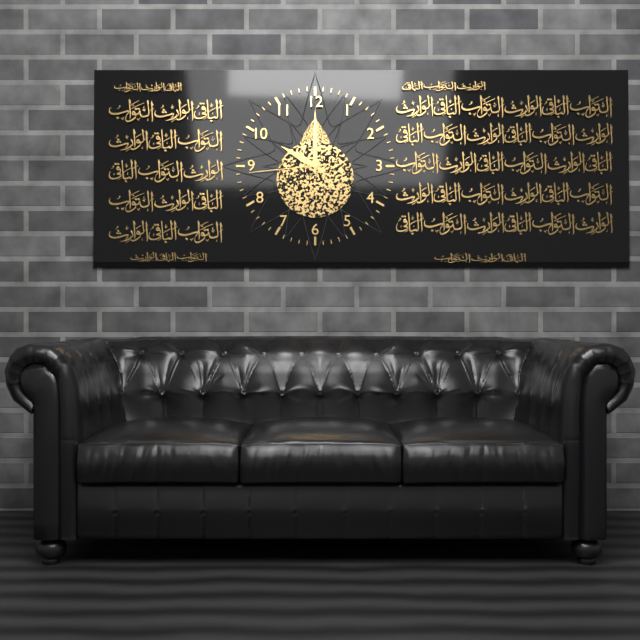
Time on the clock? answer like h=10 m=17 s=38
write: h=10 m=0 s=44
